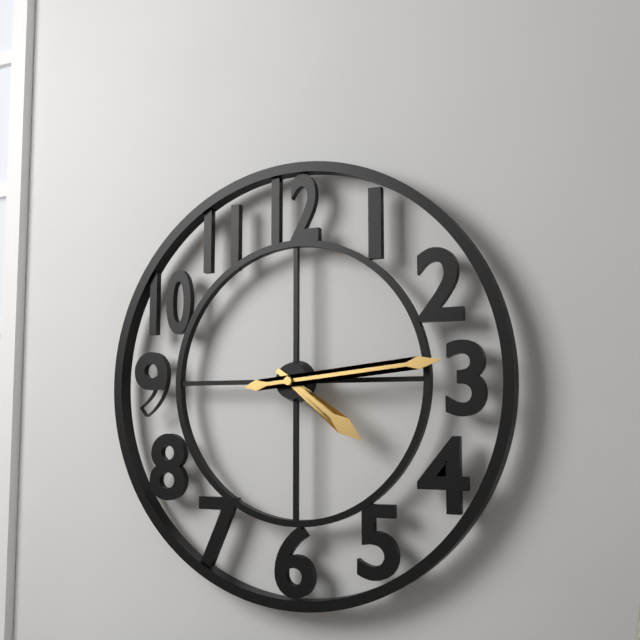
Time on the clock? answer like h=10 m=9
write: h=4 m=14
